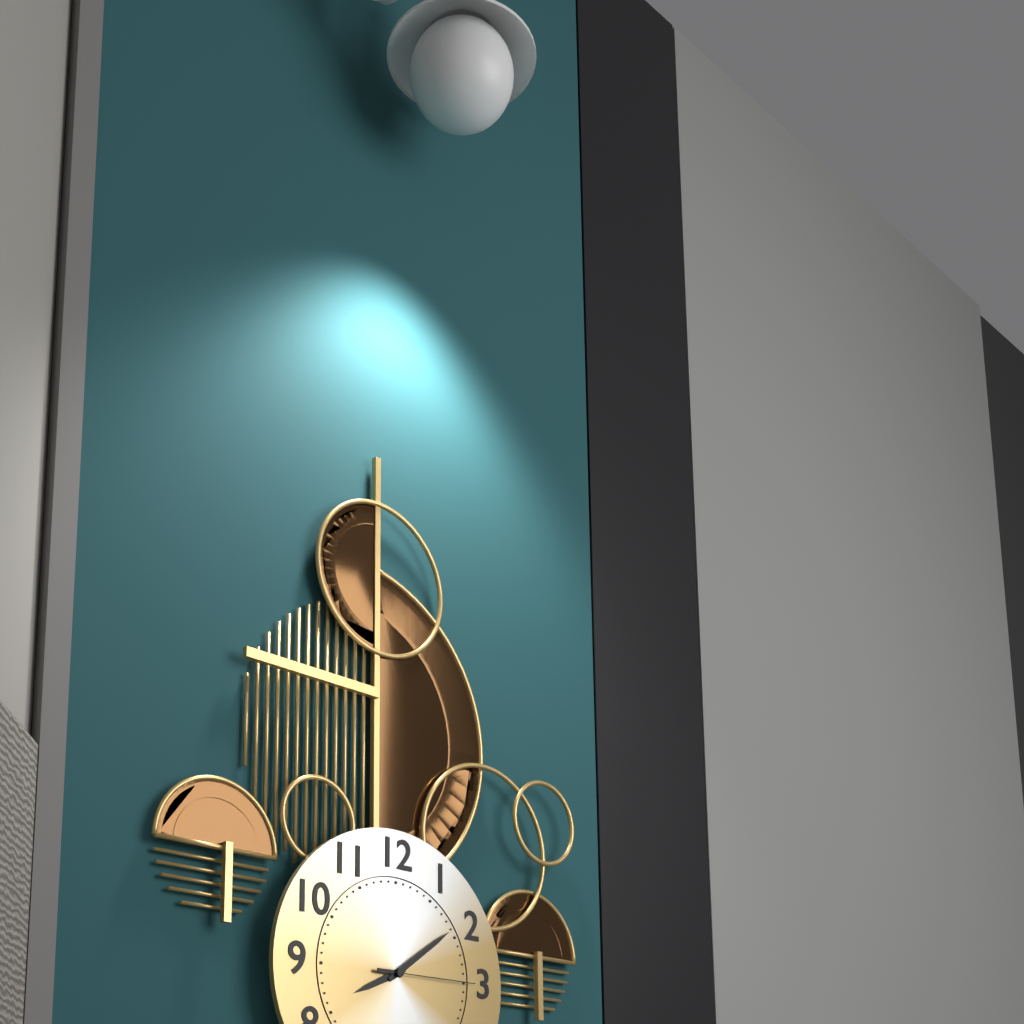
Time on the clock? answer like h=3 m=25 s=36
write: h=8 m=9 s=15
